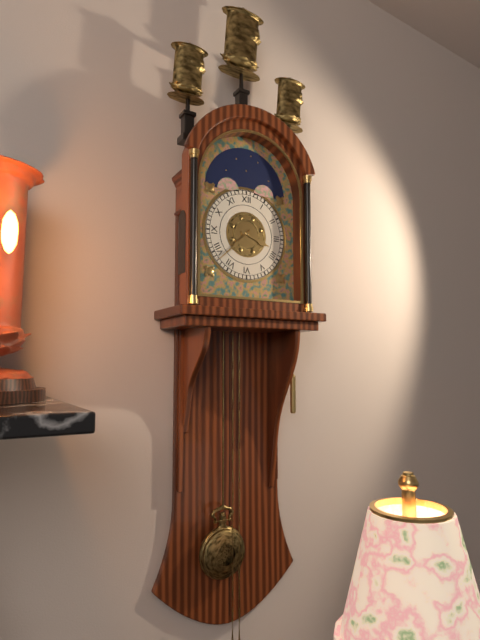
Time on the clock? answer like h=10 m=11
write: h=3 m=38
